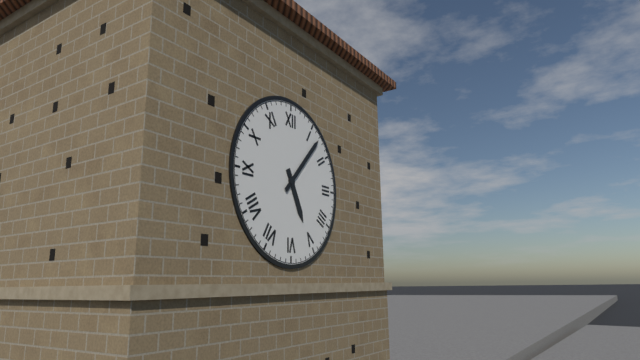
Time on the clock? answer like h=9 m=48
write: h=5 m=7
